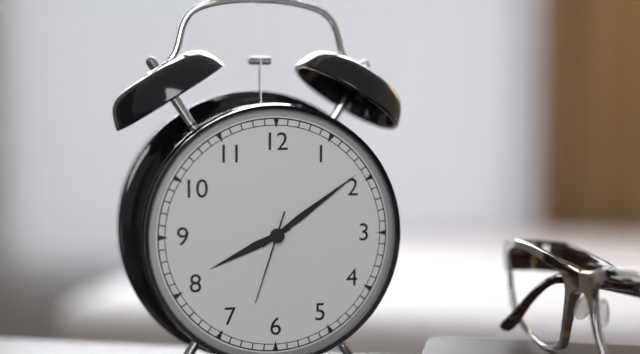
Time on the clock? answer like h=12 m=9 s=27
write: h=8 m=9 s=33
